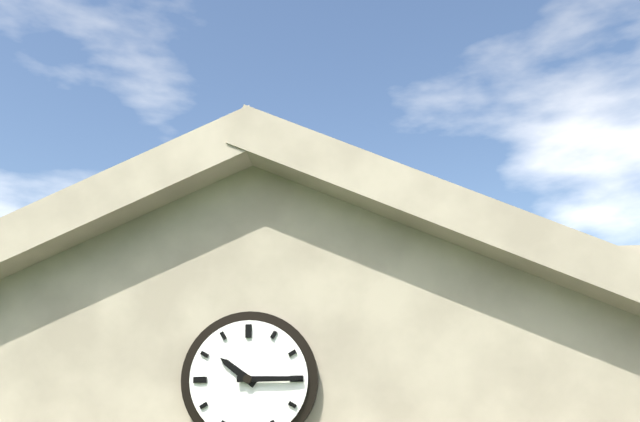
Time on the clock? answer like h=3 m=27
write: h=10 m=15
